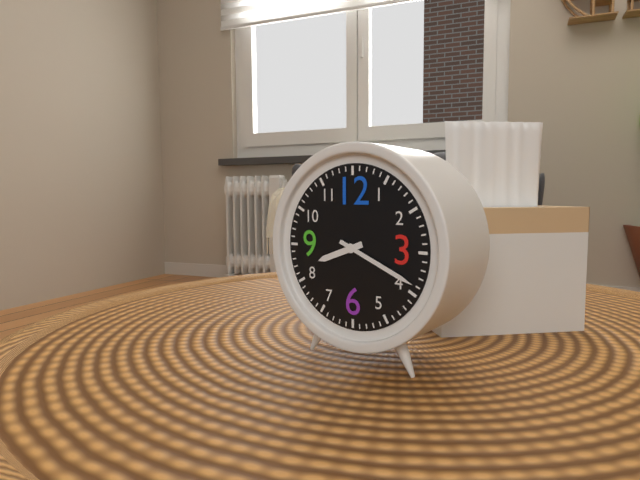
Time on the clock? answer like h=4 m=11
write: h=8 m=19
